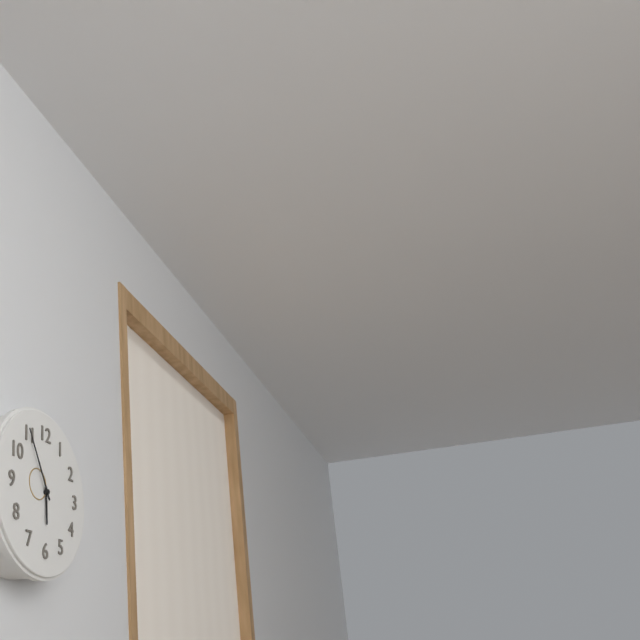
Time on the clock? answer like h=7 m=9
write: h=5 m=55
